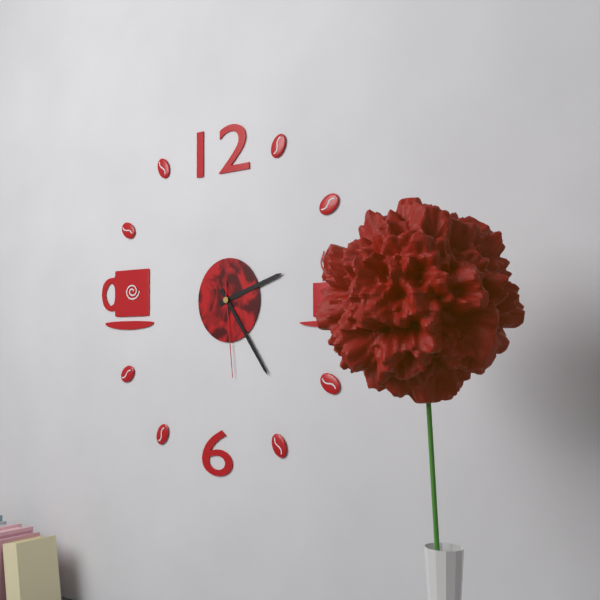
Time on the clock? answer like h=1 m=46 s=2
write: h=2 m=24 s=29
